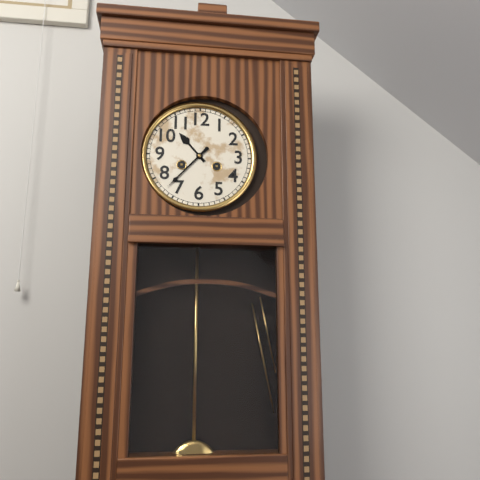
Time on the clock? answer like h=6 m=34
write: h=10 m=37
